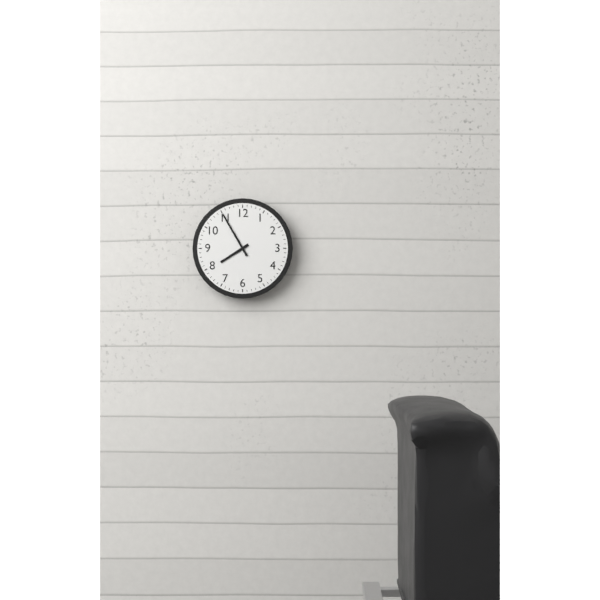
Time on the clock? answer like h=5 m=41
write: h=7 m=55
